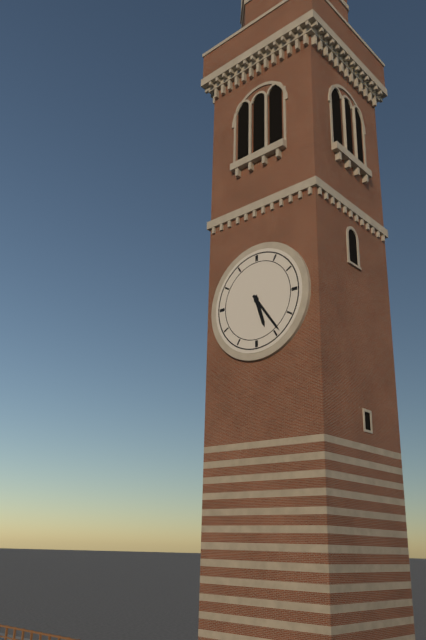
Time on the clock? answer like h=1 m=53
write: h=5 m=24
